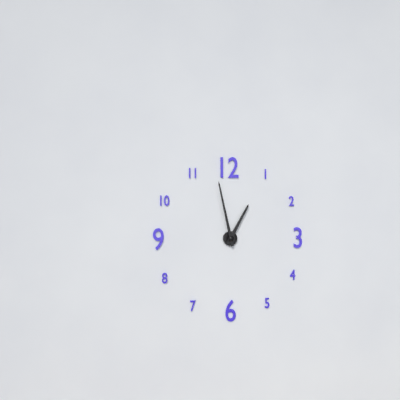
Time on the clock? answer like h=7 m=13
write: h=12 m=58
